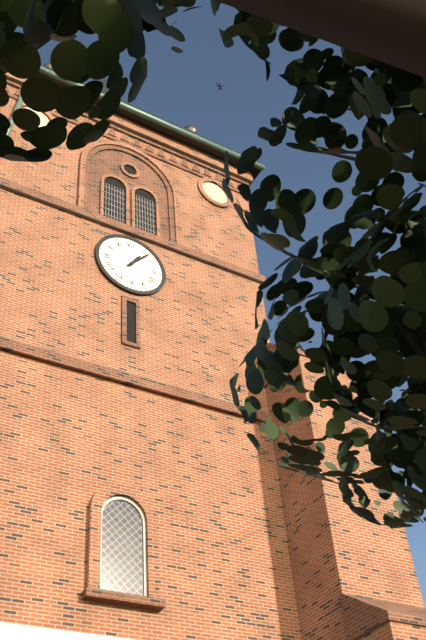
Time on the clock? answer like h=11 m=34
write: h=1 m=7
